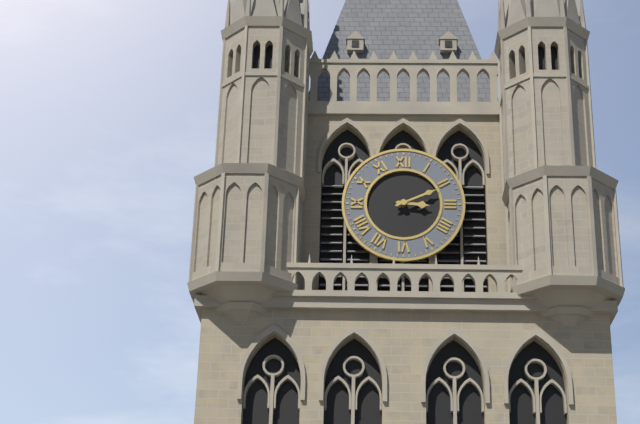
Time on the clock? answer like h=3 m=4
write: h=3 m=11
